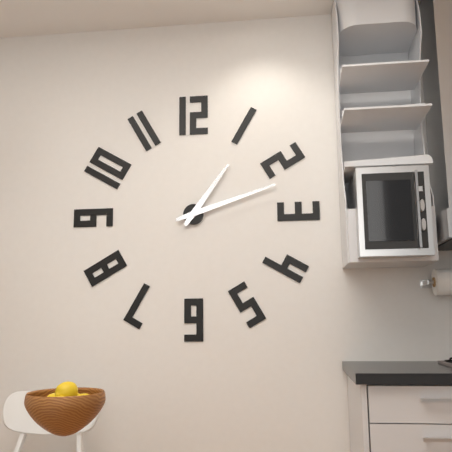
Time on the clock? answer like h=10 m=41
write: h=1 m=12
